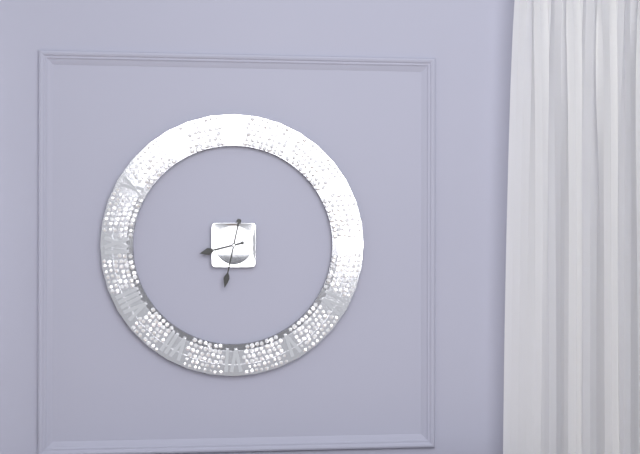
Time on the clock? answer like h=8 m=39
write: h=8 m=32
